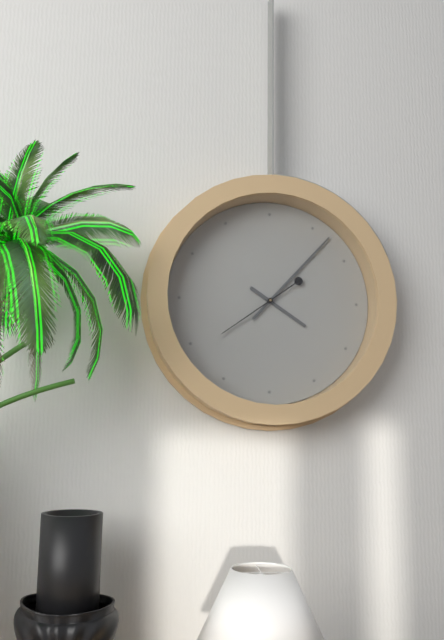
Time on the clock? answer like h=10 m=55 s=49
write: h=4 m=7 s=39
